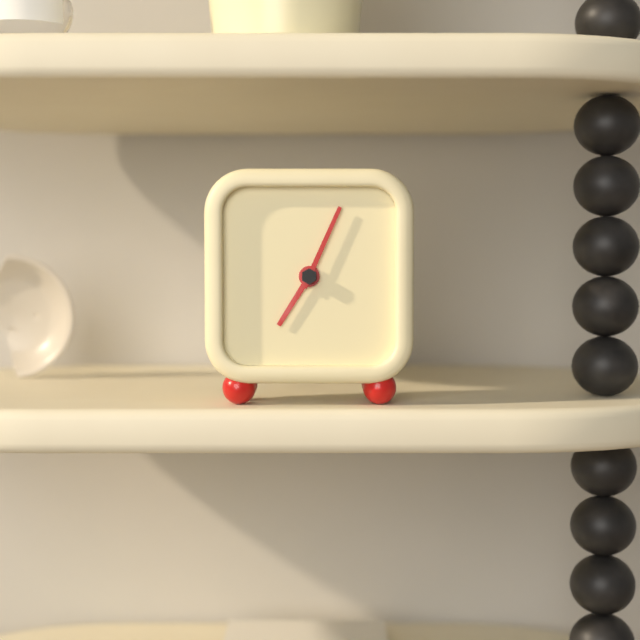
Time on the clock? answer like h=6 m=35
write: h=7 m=4
